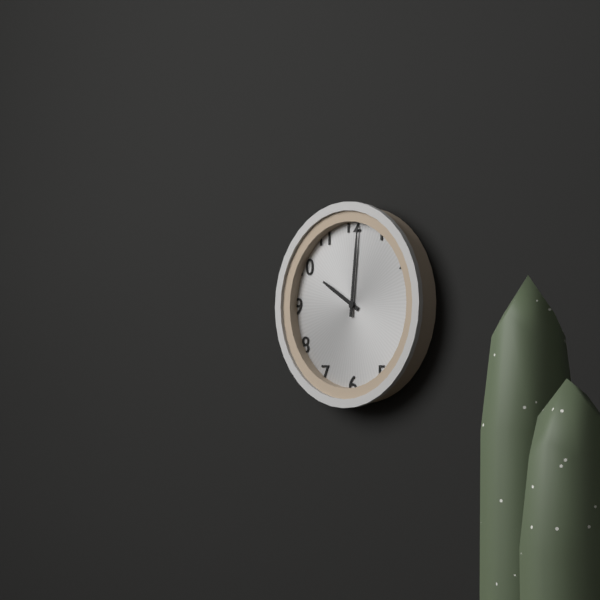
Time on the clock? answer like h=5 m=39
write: h=10 m=1
